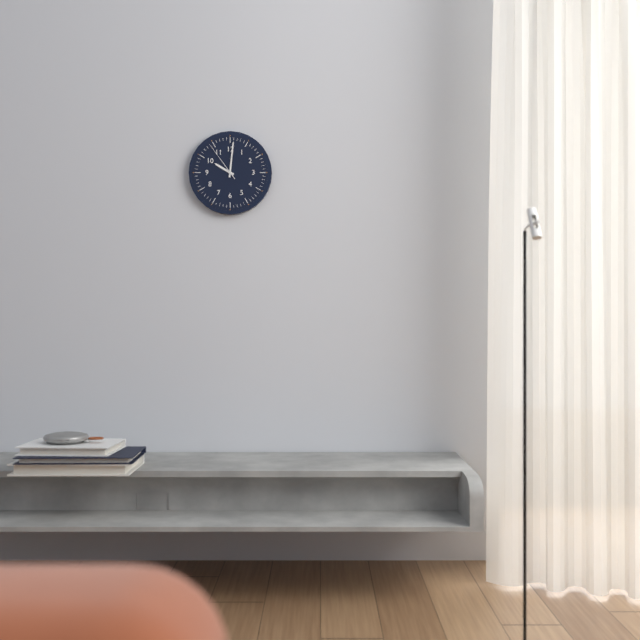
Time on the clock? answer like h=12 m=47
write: h=10 m=1
